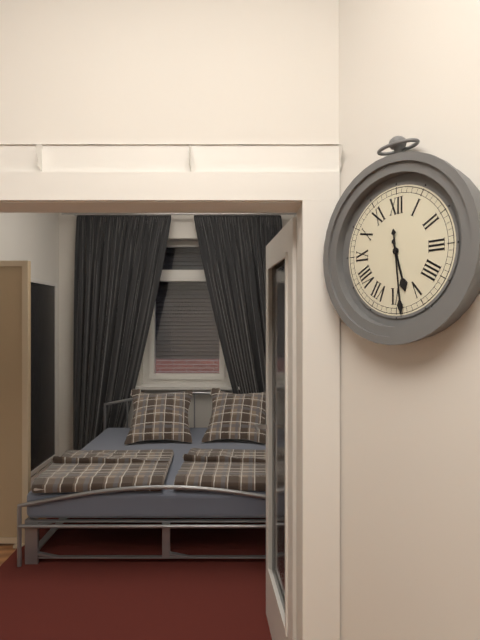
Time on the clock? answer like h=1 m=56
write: h=5 m=29
